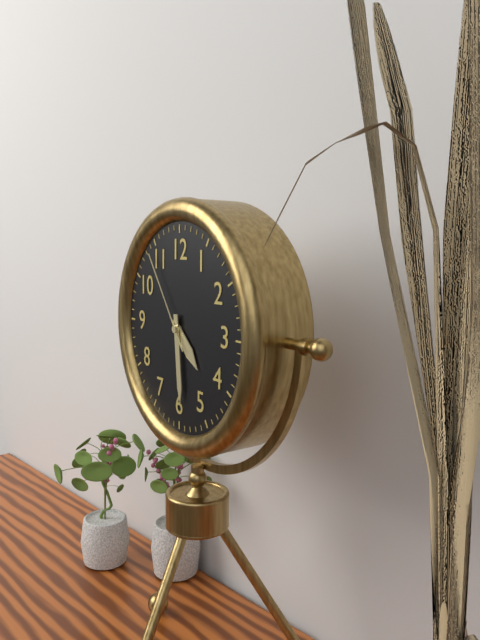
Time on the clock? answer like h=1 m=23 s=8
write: h=4 m=29 s=54
